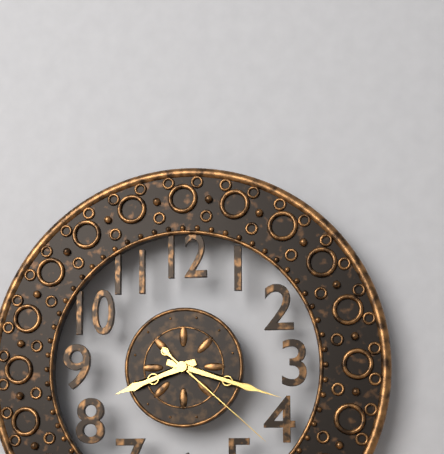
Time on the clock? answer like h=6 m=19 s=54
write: h=8 m=18 s=22
